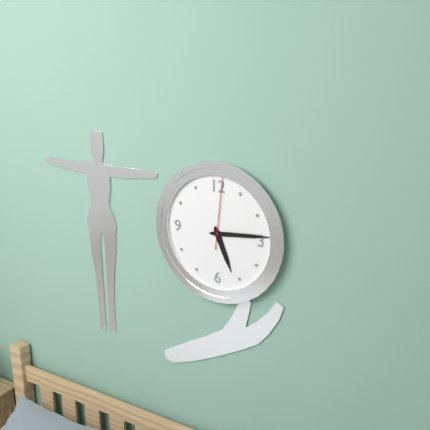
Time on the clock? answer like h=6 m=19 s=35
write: h=5 m=14 s=1
